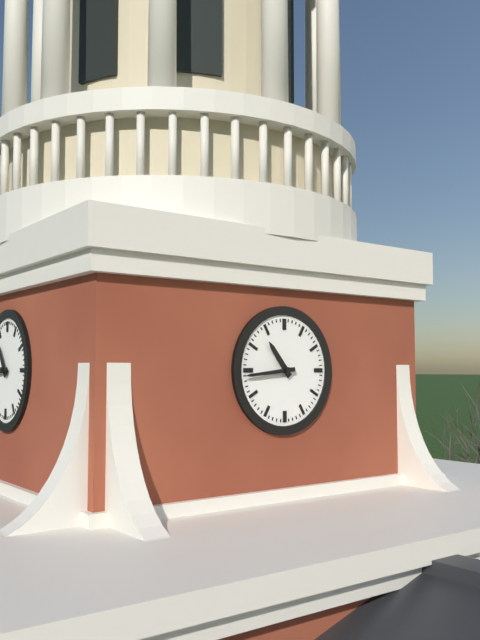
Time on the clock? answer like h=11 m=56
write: h=10 m=44
